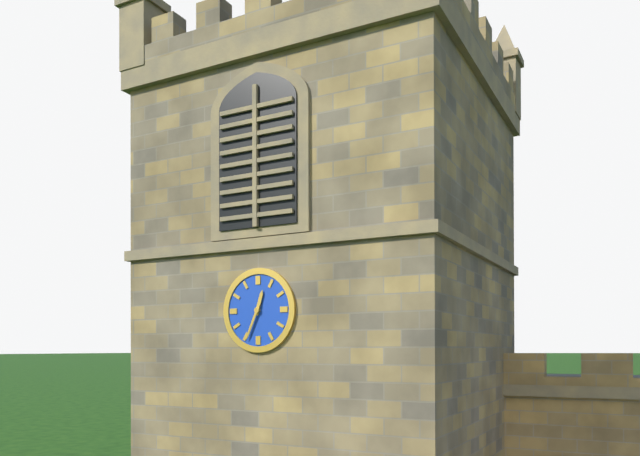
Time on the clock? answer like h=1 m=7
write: h=12 m=34
